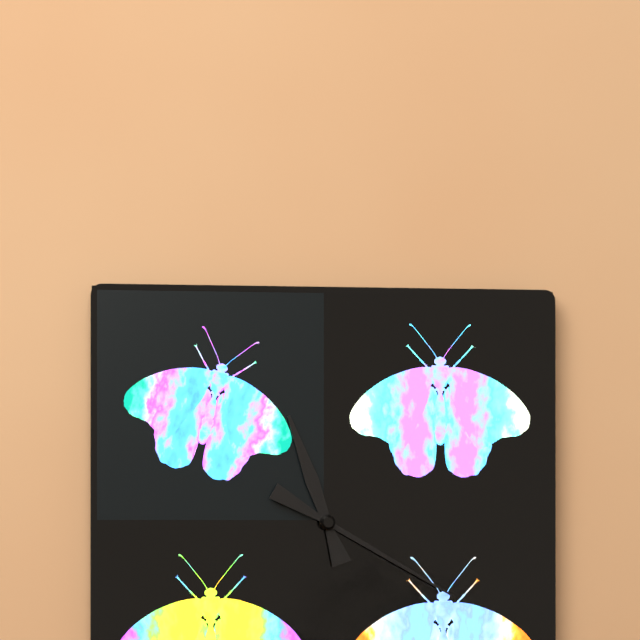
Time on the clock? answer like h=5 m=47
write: h=11 m=20
